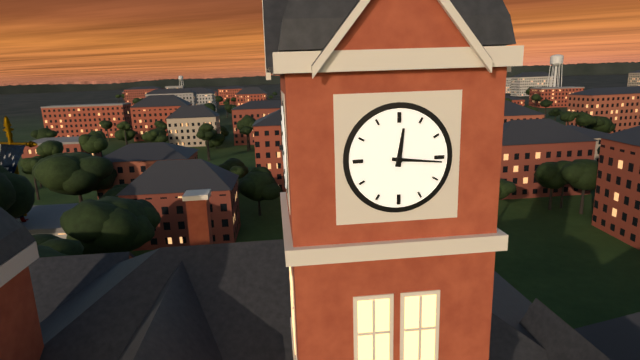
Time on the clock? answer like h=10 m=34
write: h=12 m=16
